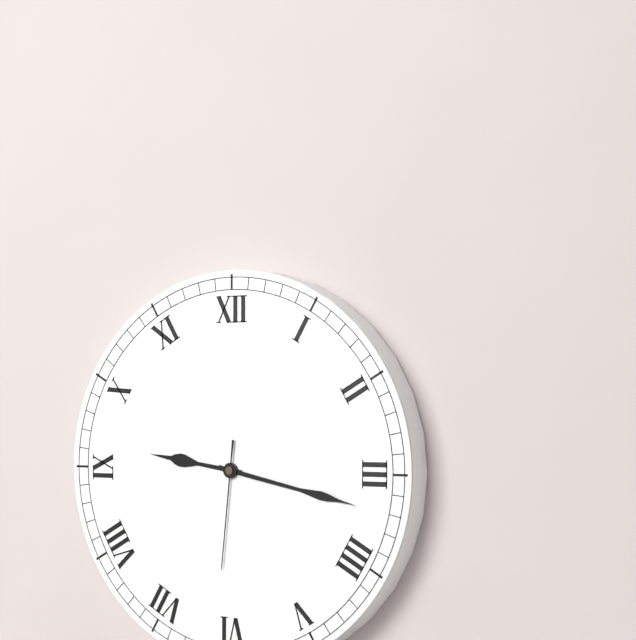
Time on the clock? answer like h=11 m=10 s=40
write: h=9 m=17 s=31
